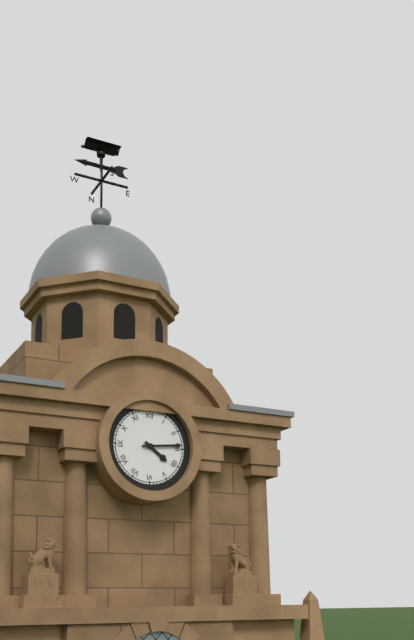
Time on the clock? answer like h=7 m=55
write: h=4 m=14
